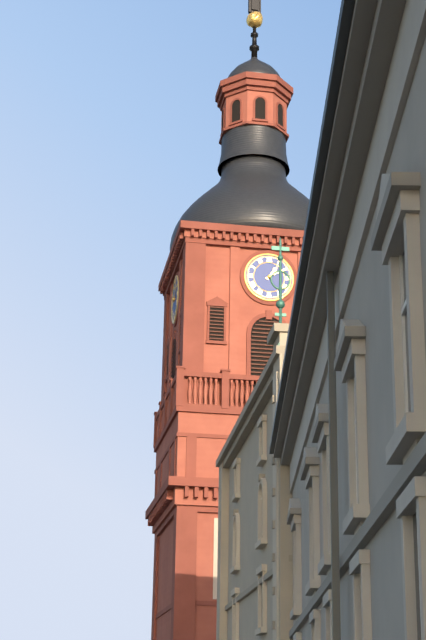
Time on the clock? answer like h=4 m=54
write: h=1 m=10
